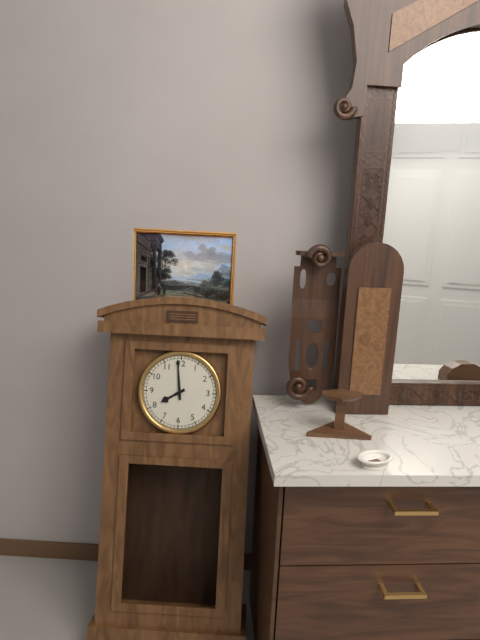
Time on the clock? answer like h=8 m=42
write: h=7 m=59
